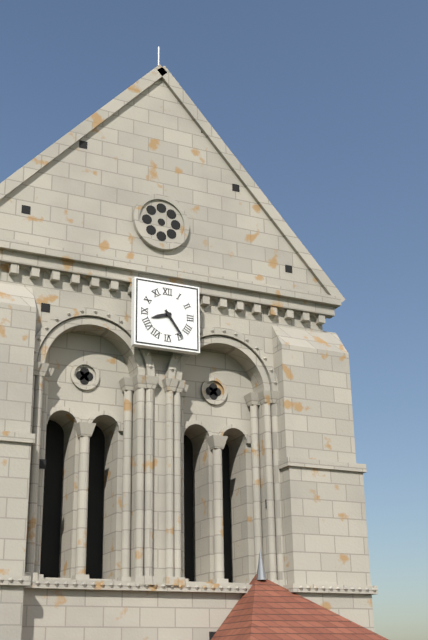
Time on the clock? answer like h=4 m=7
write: h=8 m=24
